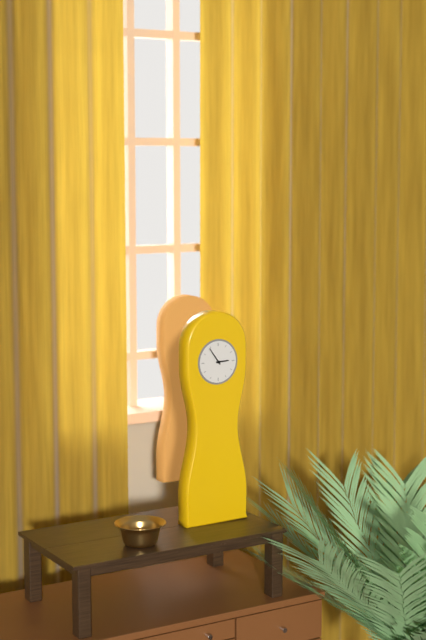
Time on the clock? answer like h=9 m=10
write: h=2 m=54
